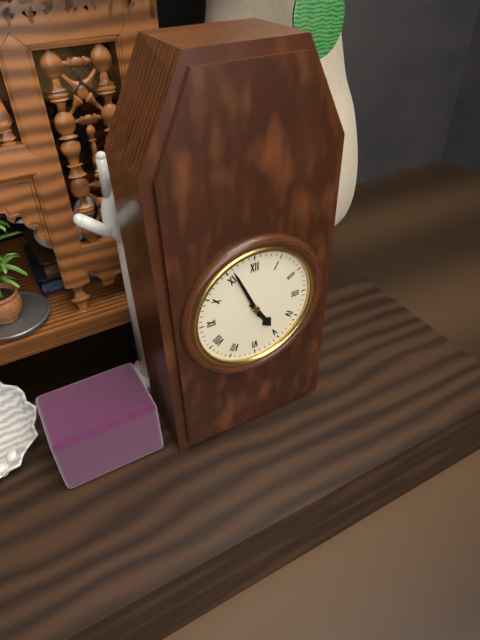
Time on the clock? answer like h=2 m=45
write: h=4 m=56
